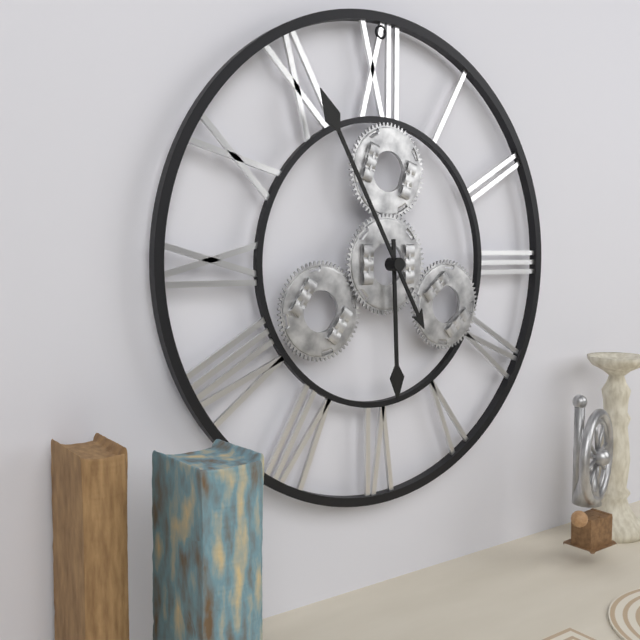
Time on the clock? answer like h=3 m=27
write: h=5 m=55
